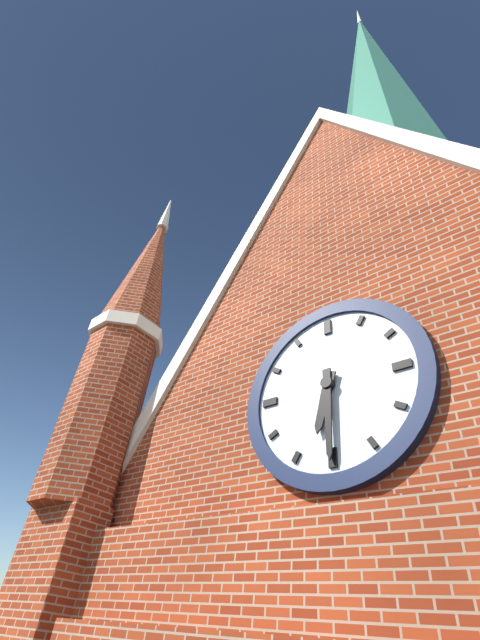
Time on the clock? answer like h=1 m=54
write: h=6 m=30
